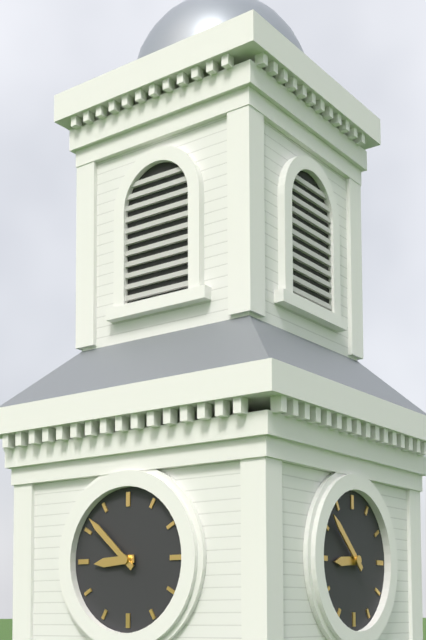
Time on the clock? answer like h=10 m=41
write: h=8 m=52
